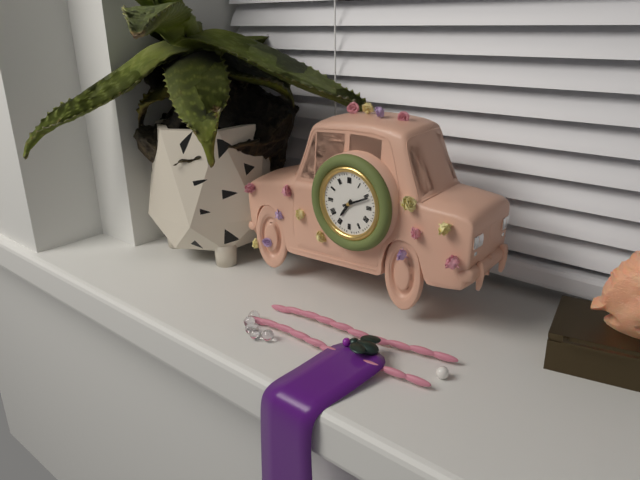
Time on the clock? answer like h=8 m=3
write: h=7 m=11
